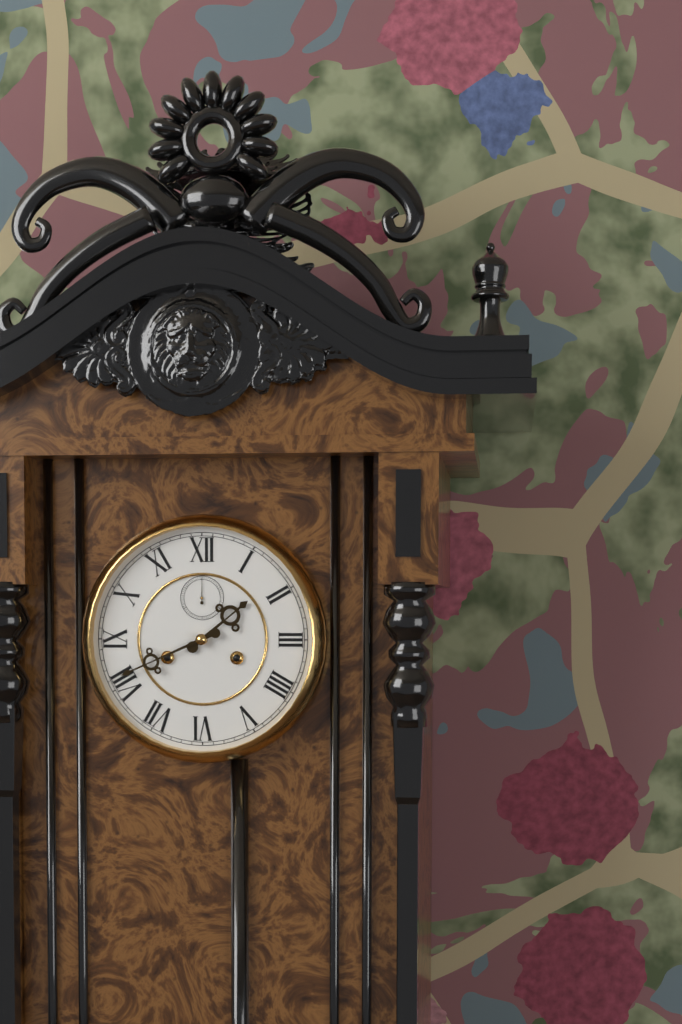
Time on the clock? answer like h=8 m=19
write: h=1 m=41
